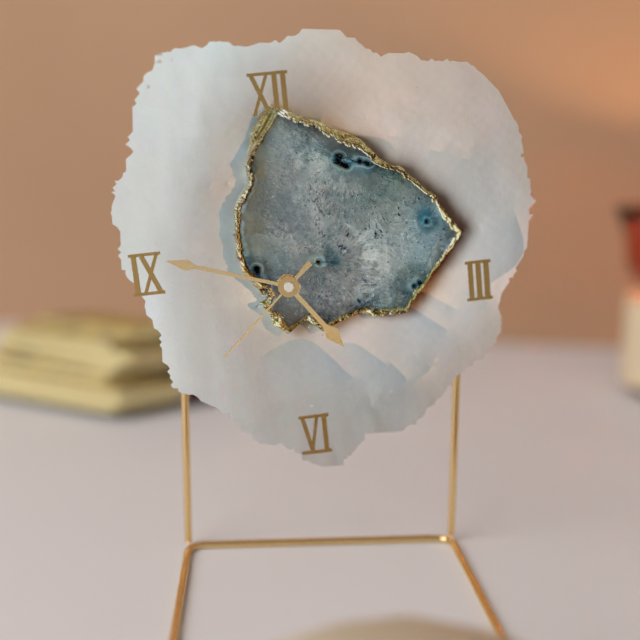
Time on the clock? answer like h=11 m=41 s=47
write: h=4 m=48 s=38
